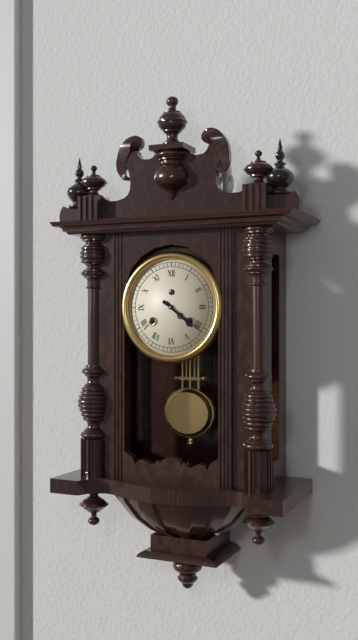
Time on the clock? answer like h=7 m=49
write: h=4 m=21
